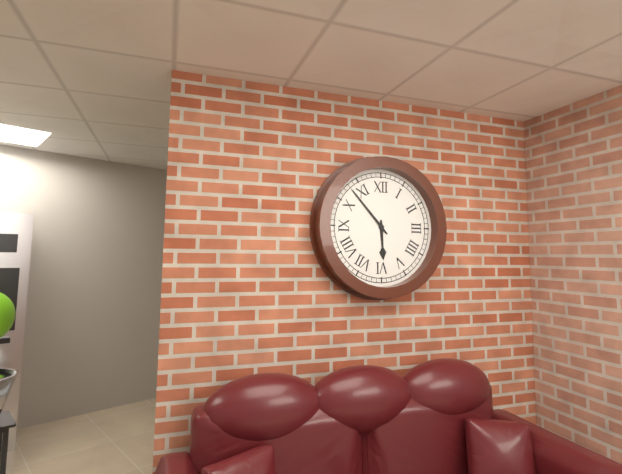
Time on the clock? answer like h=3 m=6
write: h=5 m=53
